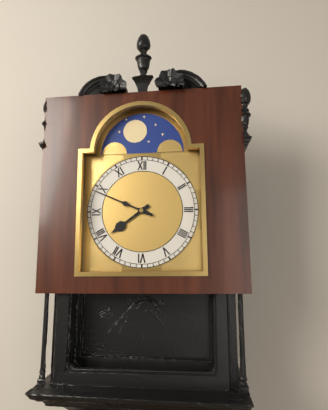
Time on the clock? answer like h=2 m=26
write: h=7 m=49
